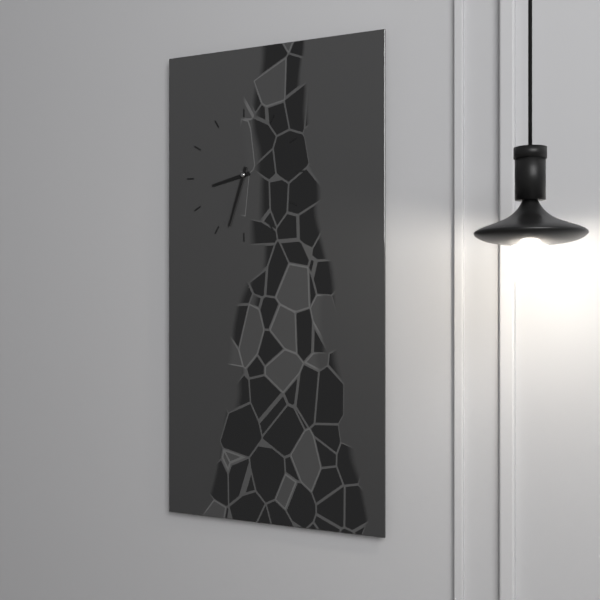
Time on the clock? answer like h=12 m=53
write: h=8 m=33
